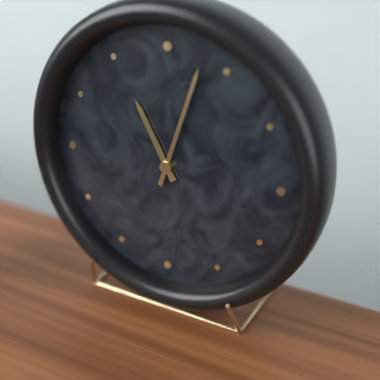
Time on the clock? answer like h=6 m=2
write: h=11 m=3
